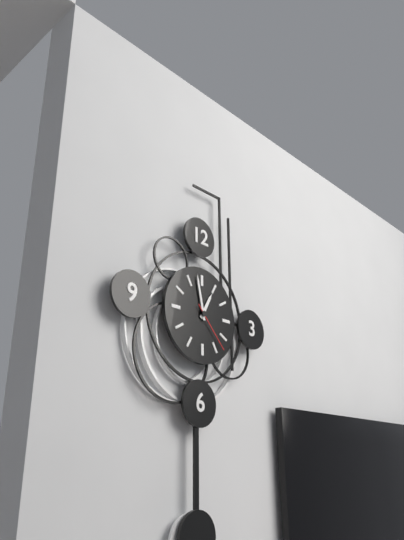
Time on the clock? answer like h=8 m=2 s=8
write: h=12 m=58 s=23
